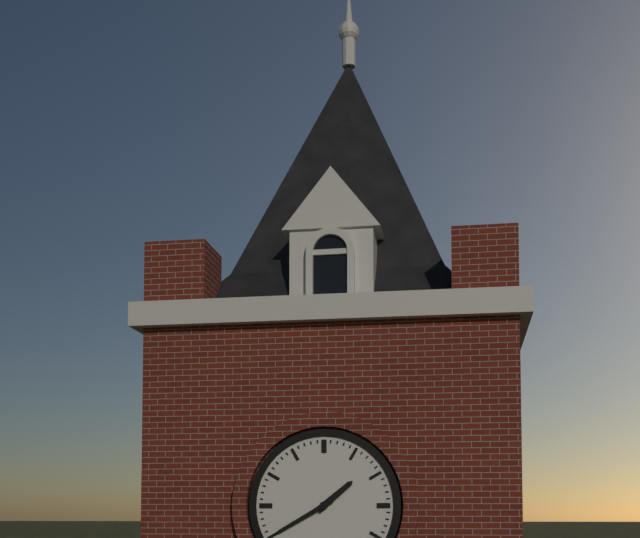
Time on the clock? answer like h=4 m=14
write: h=1 m=40
